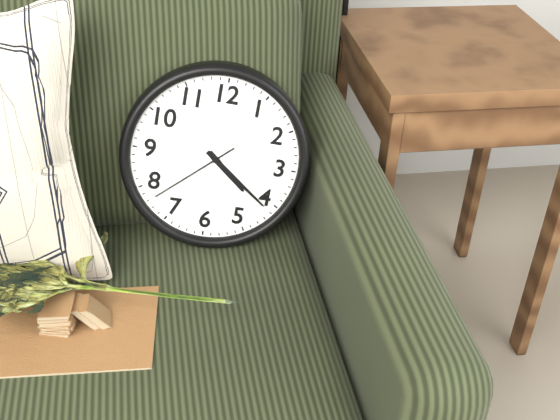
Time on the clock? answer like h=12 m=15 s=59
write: h=4 m=21 s=38
